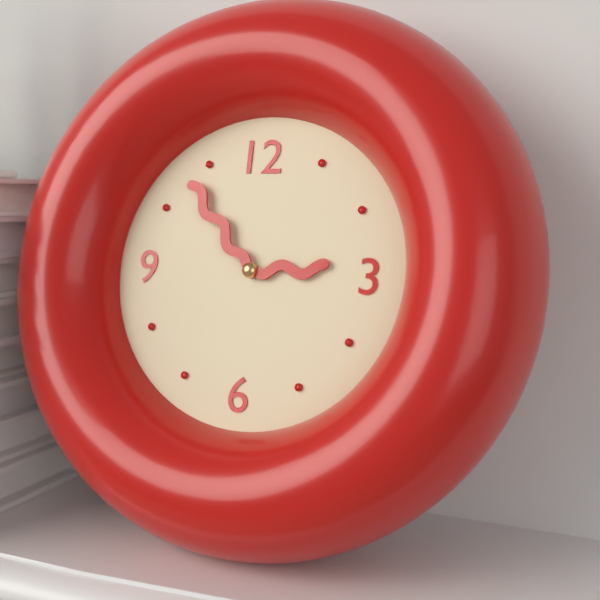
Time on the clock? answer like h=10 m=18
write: h=2 m=53
